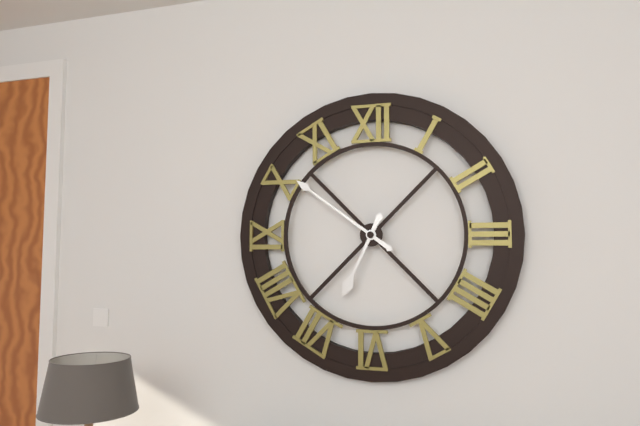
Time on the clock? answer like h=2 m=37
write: h=6 m=51
